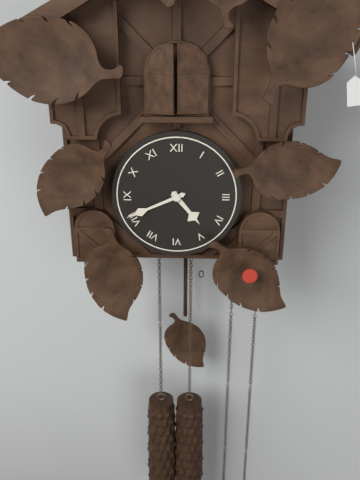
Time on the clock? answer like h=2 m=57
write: h=4 m=41
